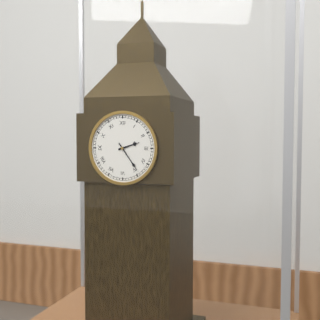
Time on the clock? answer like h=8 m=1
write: h=2 m=24
